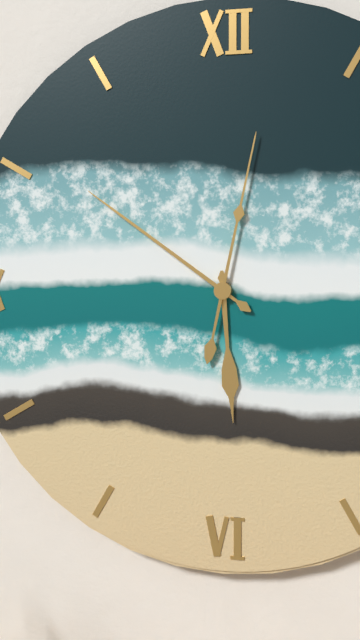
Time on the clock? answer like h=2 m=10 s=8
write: h=5 m=51 s=2
